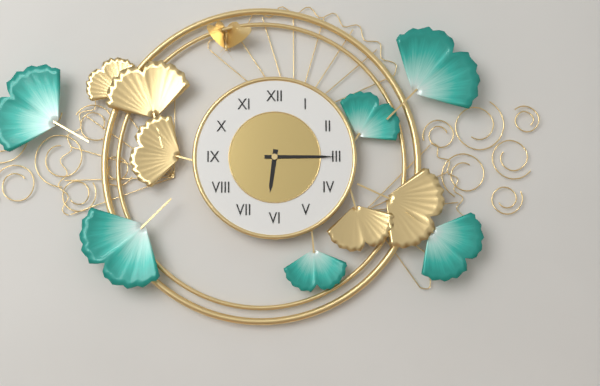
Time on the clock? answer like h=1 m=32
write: h=6 m=15
